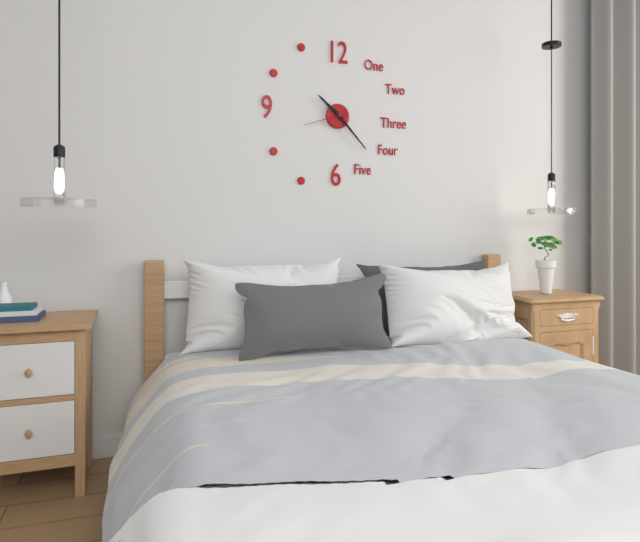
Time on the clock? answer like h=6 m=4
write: h=10 m=23
